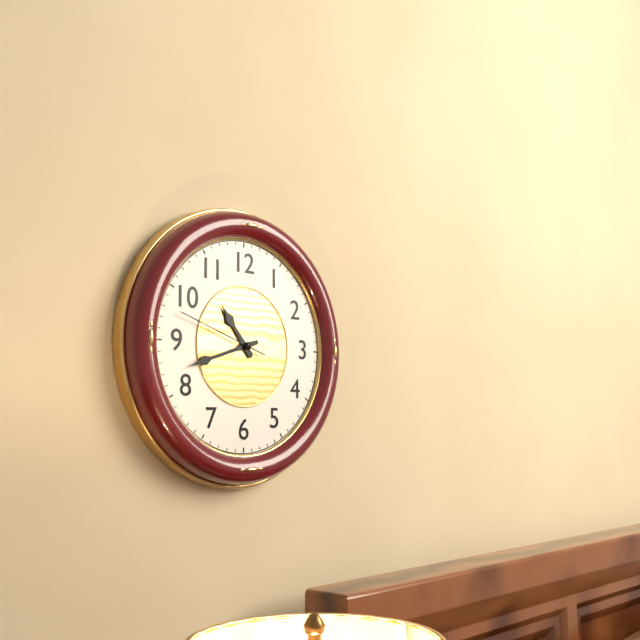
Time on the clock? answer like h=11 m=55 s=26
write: h=10 m=42 s=48
